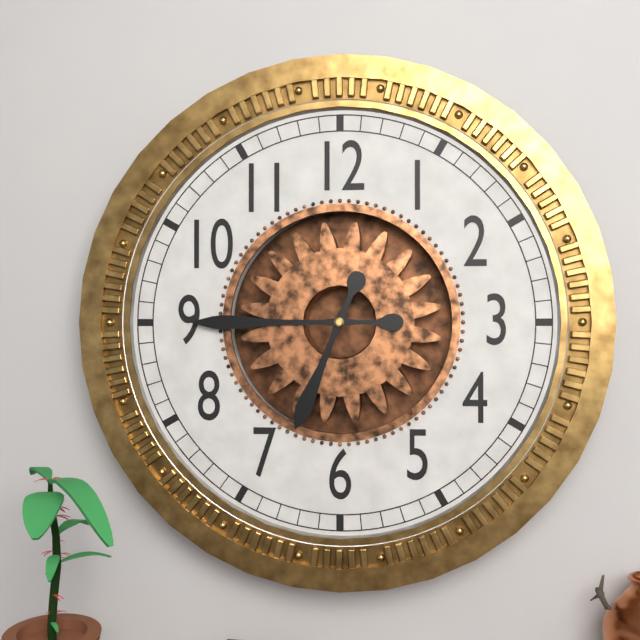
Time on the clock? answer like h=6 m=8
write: h=6 m=45
